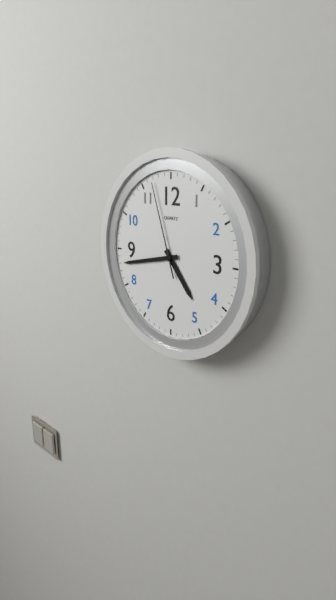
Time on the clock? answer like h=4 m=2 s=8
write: h=4 m=43 s=57
